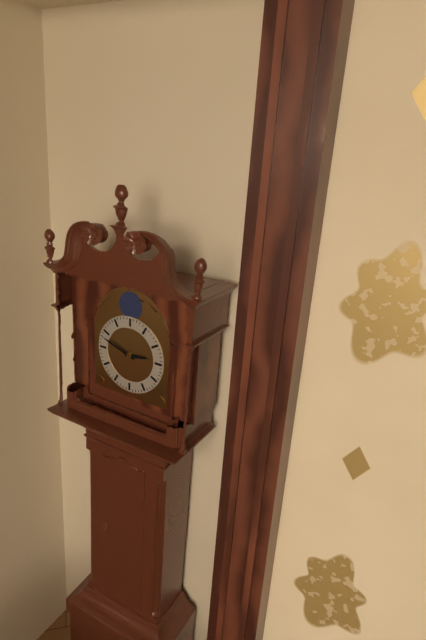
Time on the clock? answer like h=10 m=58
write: h=2 m=48
